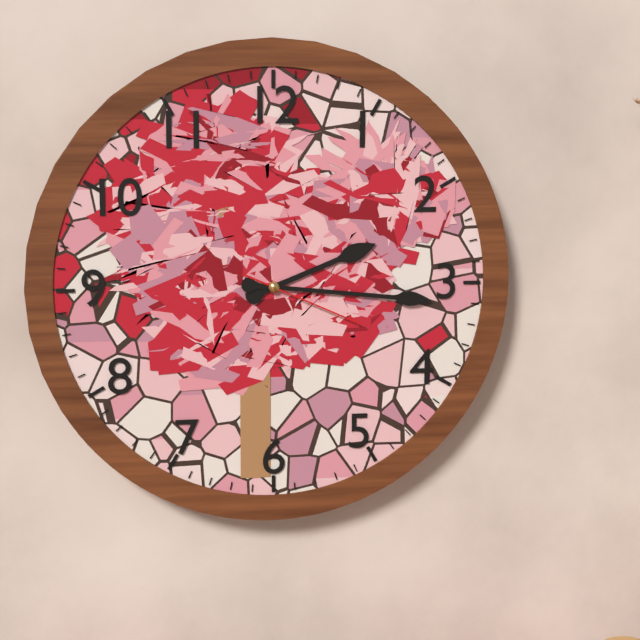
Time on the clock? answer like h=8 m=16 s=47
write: h=2 m=16 s=19
